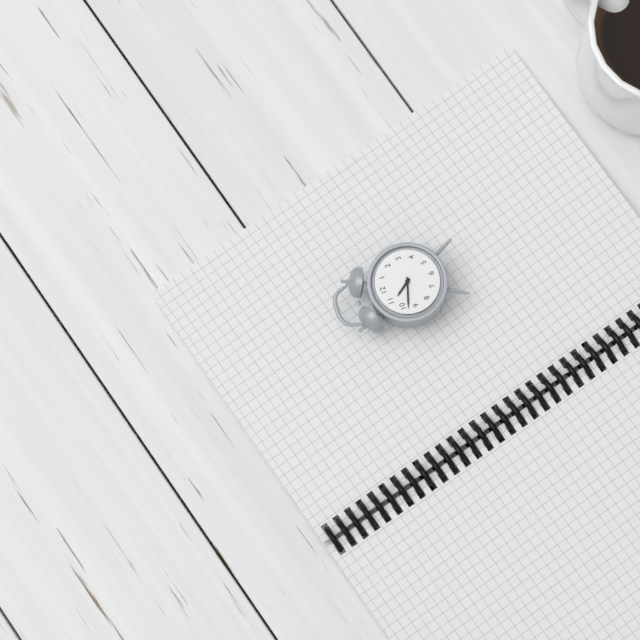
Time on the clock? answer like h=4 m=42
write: h=10 m=48
